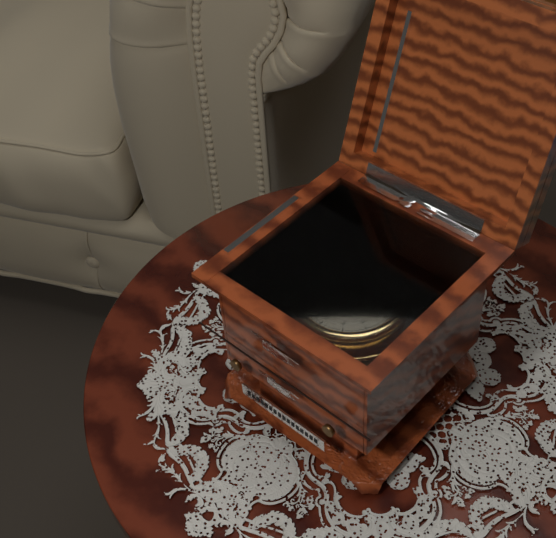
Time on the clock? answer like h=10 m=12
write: h=11 m=55
